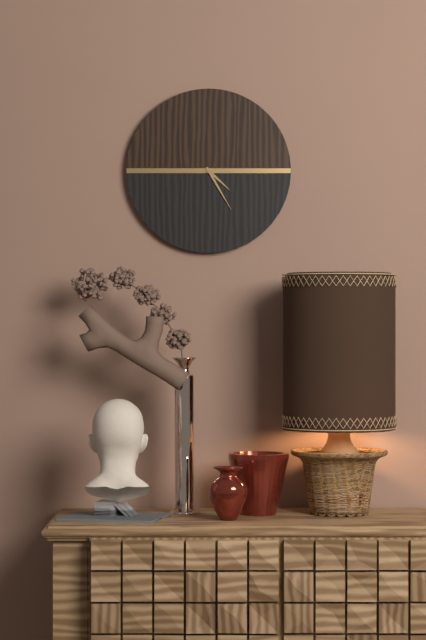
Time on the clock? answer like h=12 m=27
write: h=4 m=25
